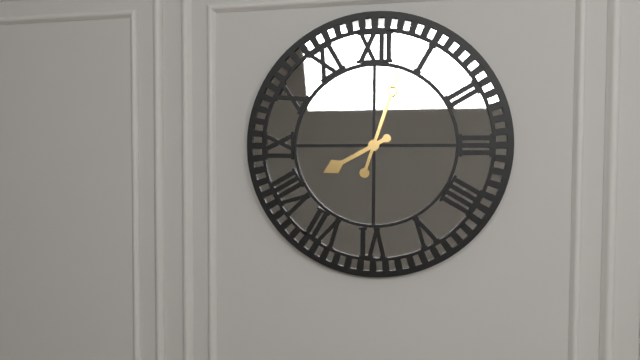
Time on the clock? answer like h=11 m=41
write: h=8 m=3
